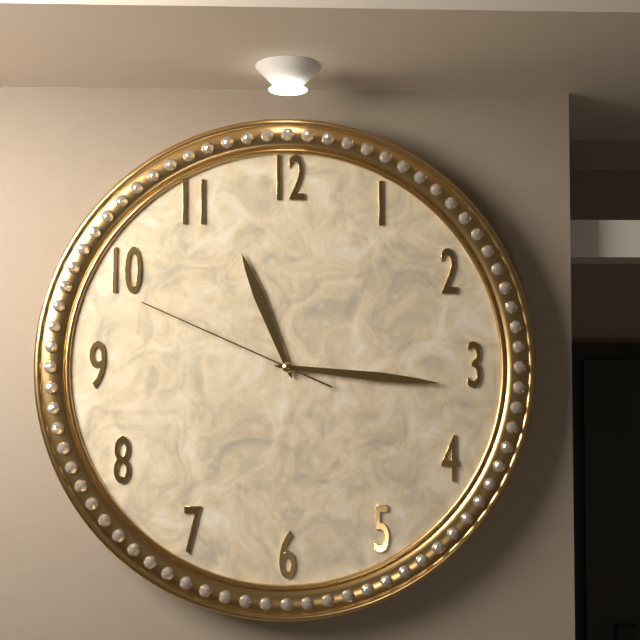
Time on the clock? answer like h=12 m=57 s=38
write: h=11 m=16 s=49
